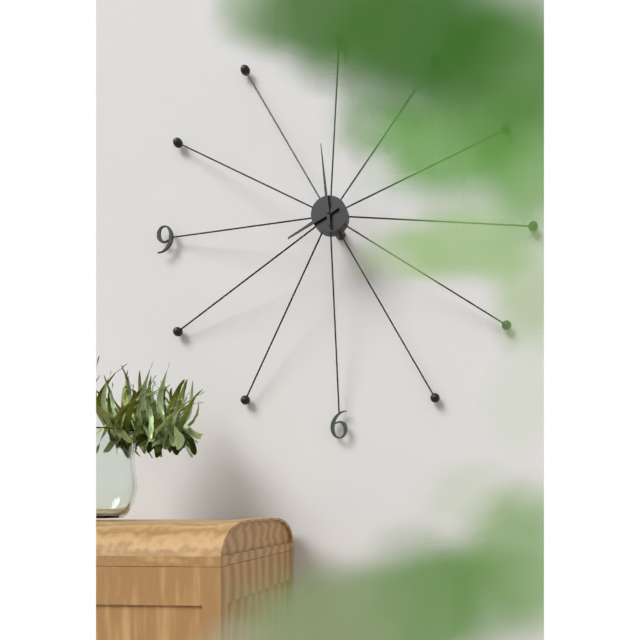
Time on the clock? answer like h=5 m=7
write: h=7 m=59
